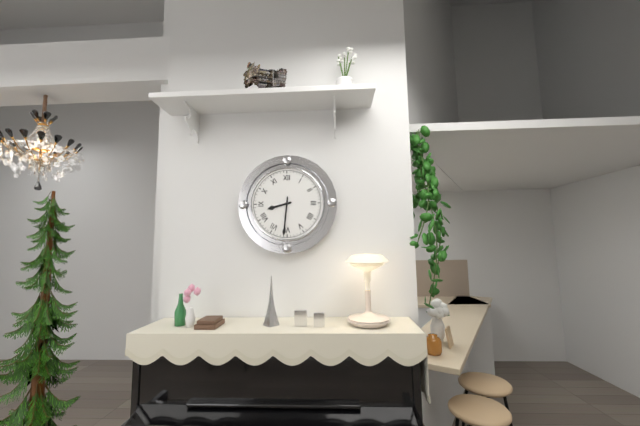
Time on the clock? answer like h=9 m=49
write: h=8 m=31
